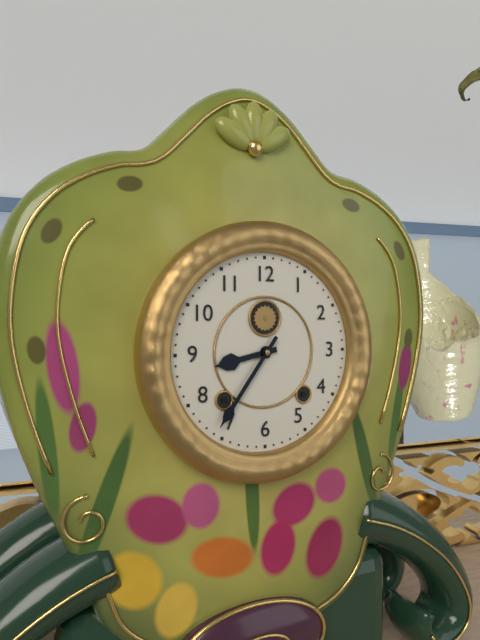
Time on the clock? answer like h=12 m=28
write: h=8 m=36
